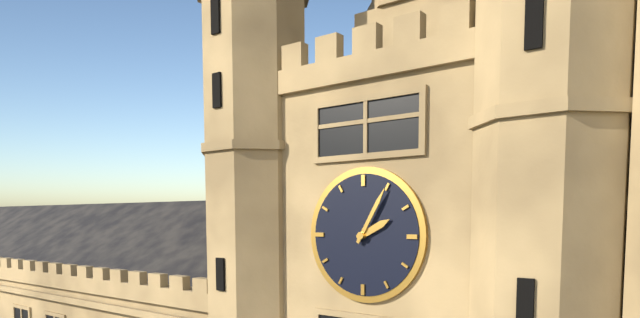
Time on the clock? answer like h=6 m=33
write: h=2 m=5
